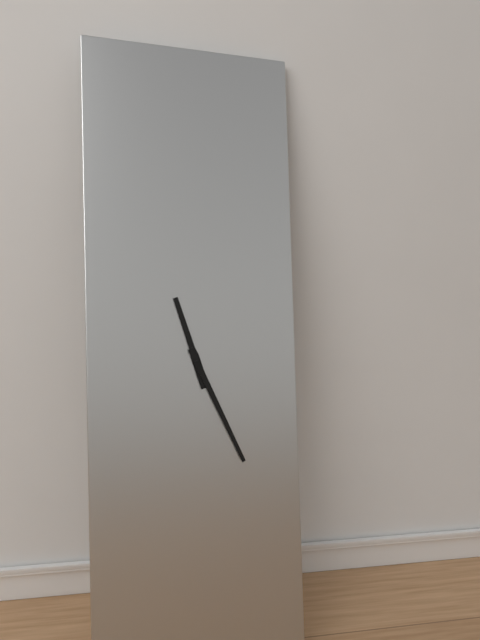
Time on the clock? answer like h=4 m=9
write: h=11 m=26
